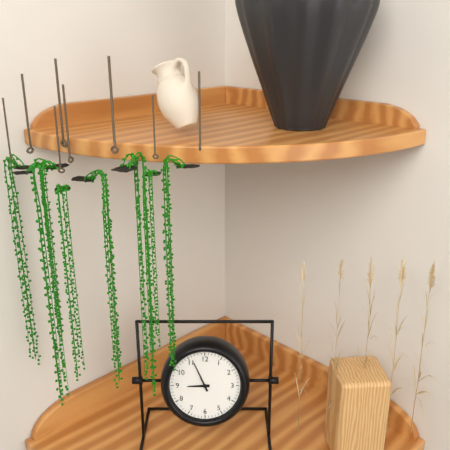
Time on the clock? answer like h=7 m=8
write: h=8 m=56
